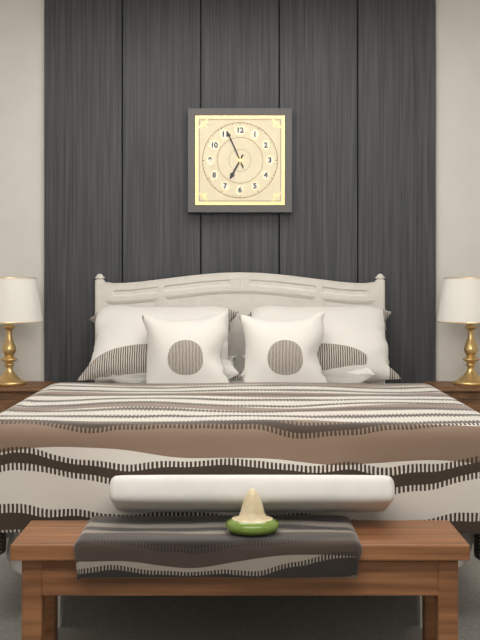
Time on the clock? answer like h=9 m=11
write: h=6 m=56
